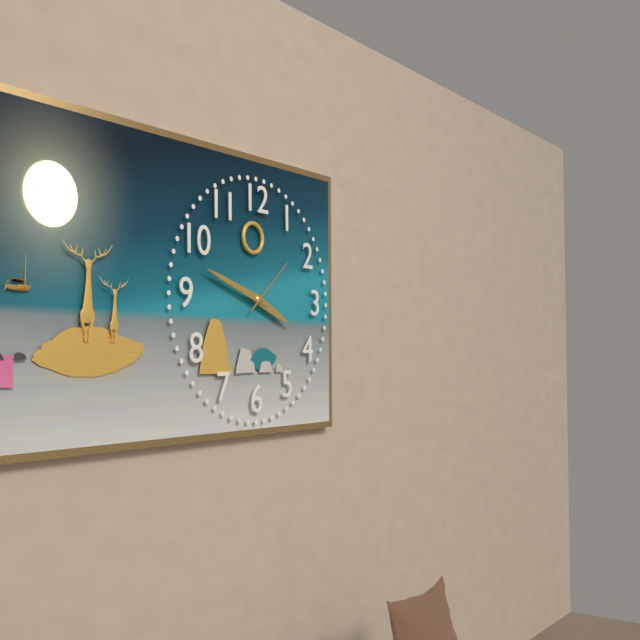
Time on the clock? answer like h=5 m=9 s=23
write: h=3 m=48 s=8
